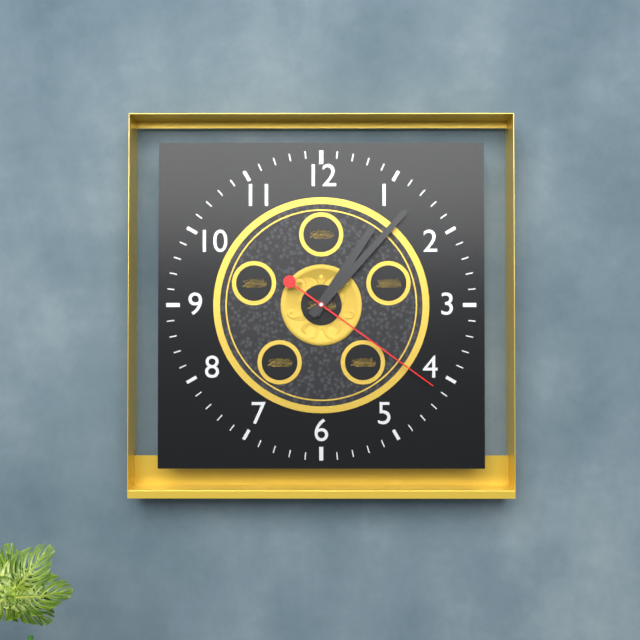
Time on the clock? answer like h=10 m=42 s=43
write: h=1 m=7 s=21
